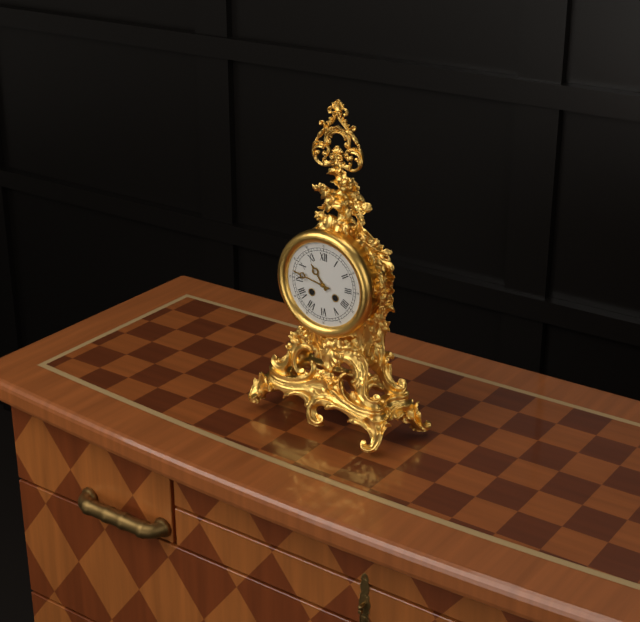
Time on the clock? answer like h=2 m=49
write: h=10 m=47
